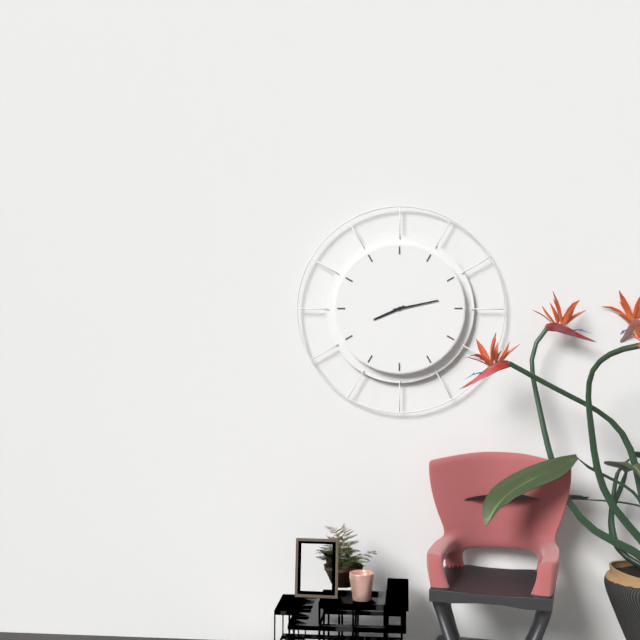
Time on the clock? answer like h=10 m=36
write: h=8 m=13
